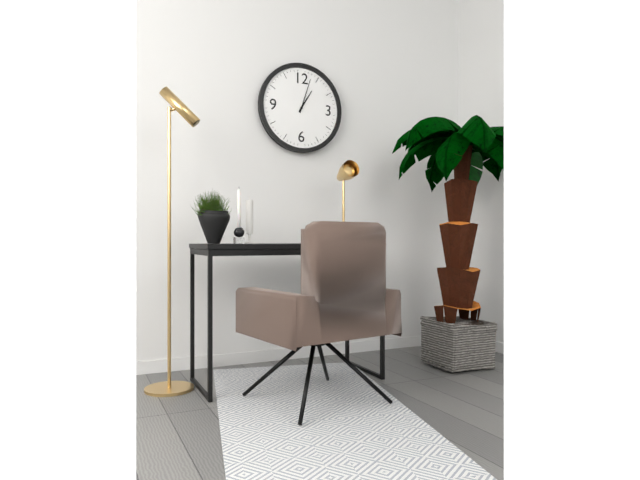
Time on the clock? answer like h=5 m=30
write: h=1 m=3
